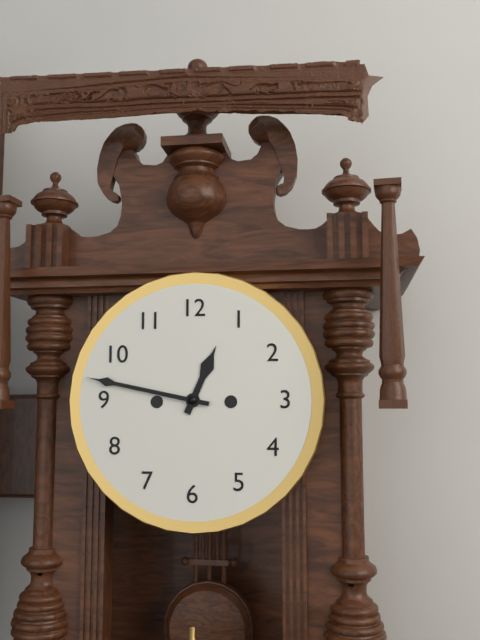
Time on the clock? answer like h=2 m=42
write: h=12 m=47
